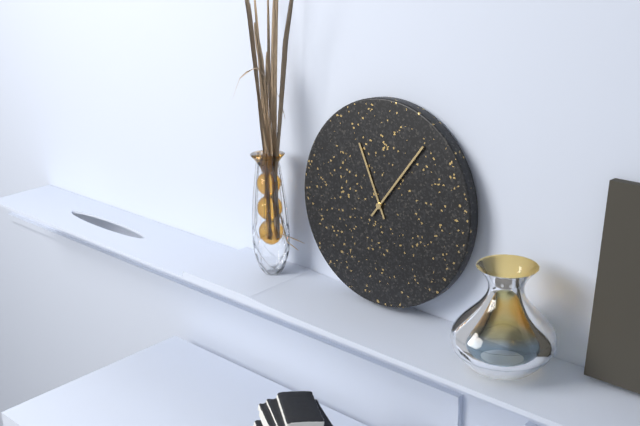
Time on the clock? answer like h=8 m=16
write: h=11 m=6
